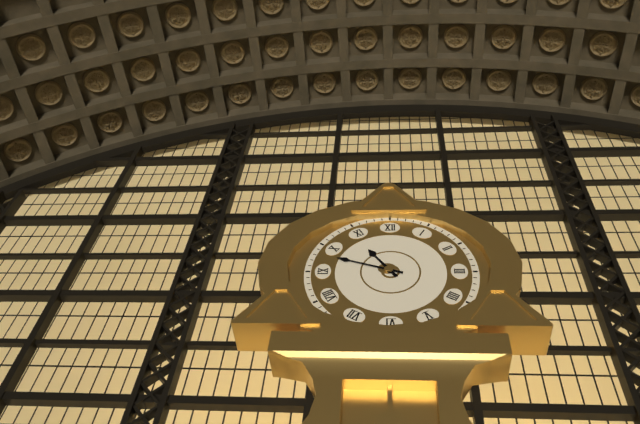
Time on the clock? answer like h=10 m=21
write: h=10 m=48
